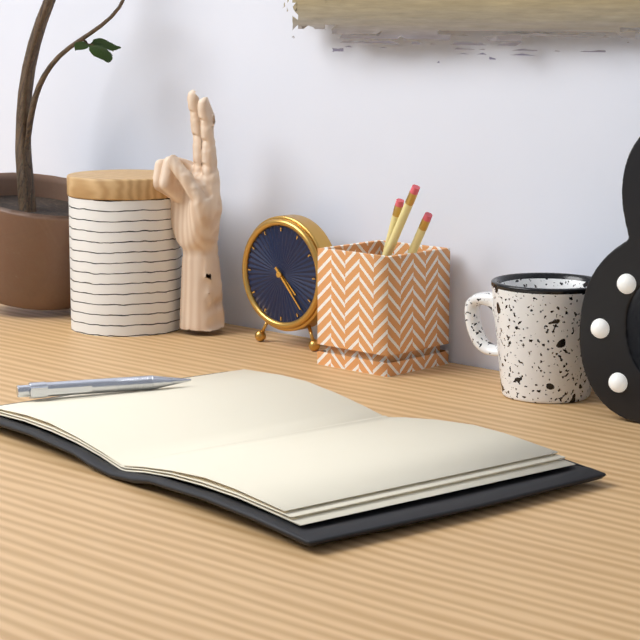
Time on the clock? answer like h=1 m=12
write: h=4 m=23
